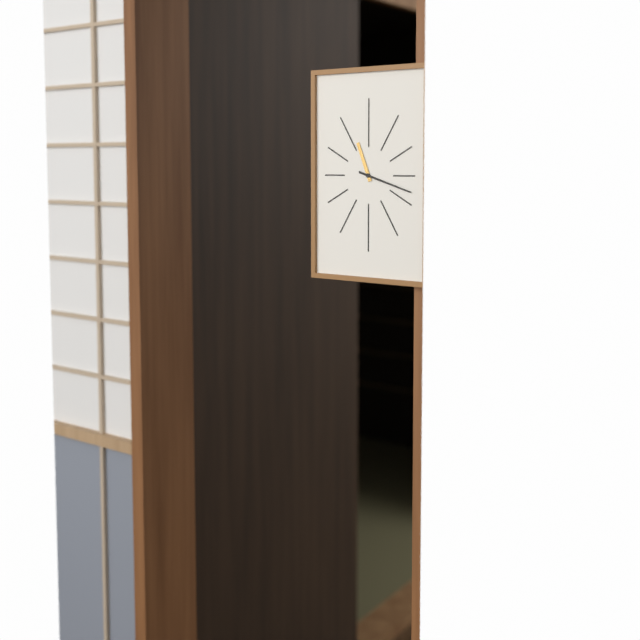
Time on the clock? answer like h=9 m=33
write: h=11 m=18
